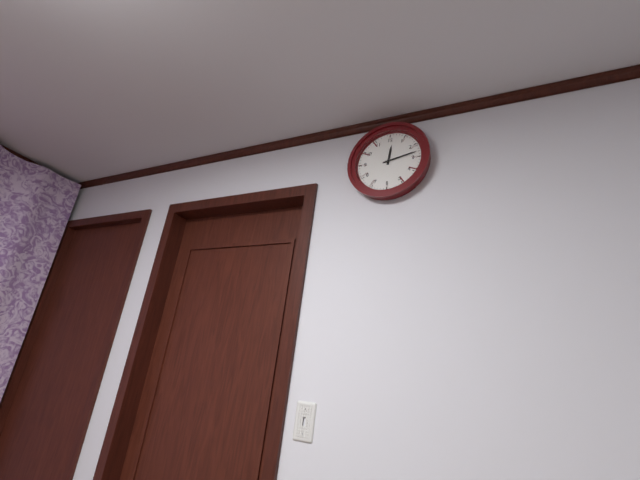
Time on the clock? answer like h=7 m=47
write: h=12 m=13
